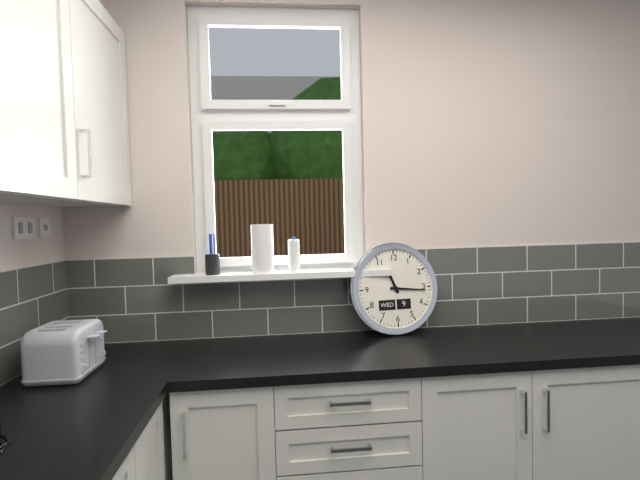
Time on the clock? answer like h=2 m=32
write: h=11 m=16
